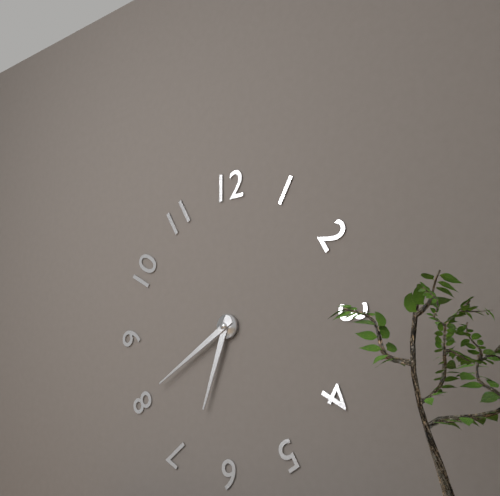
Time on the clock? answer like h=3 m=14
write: h=6 m=40
